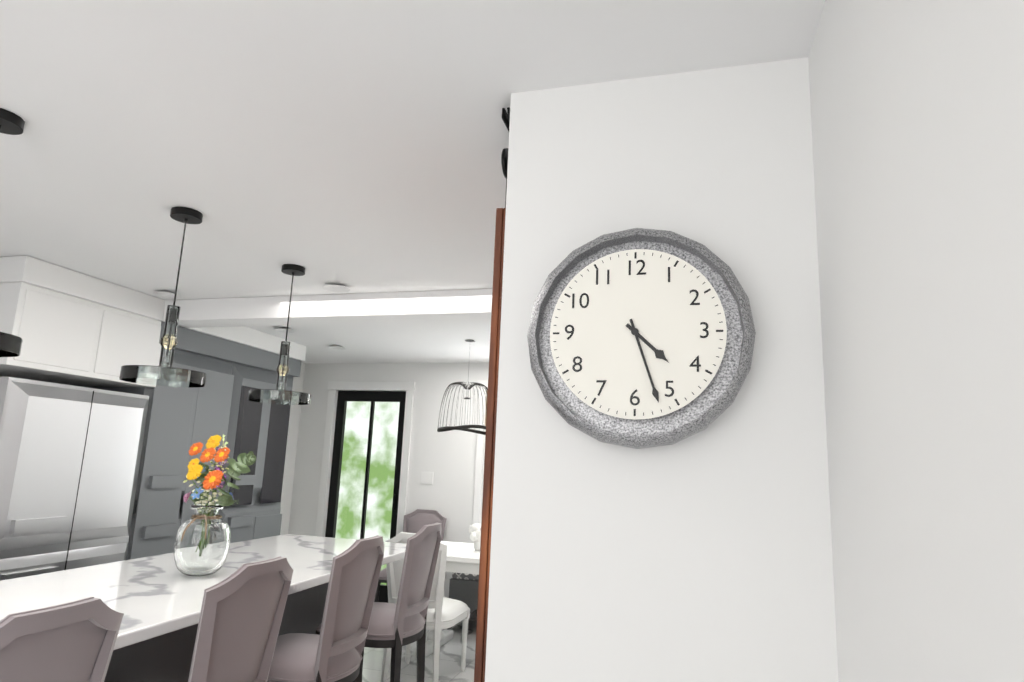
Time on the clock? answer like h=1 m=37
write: h=4 m=27
